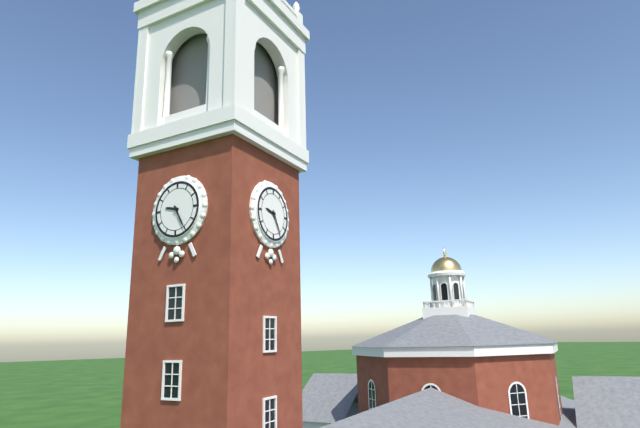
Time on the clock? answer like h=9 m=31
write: h=9 m=25
